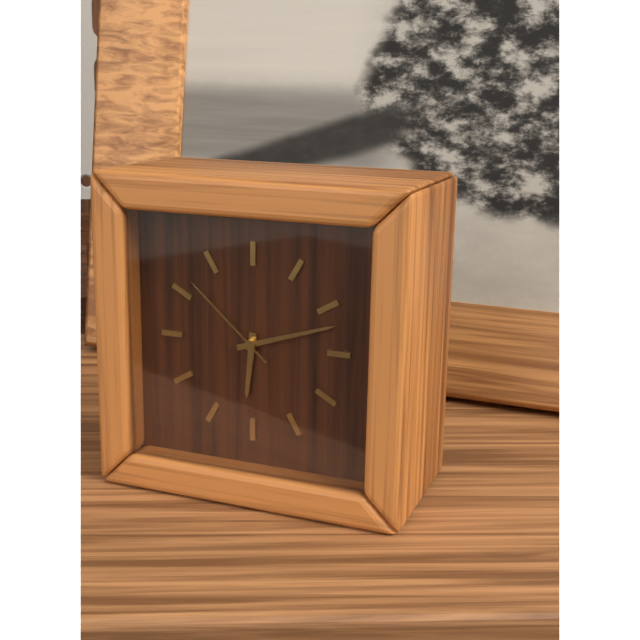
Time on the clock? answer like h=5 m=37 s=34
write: h=6 m=12 s=52
